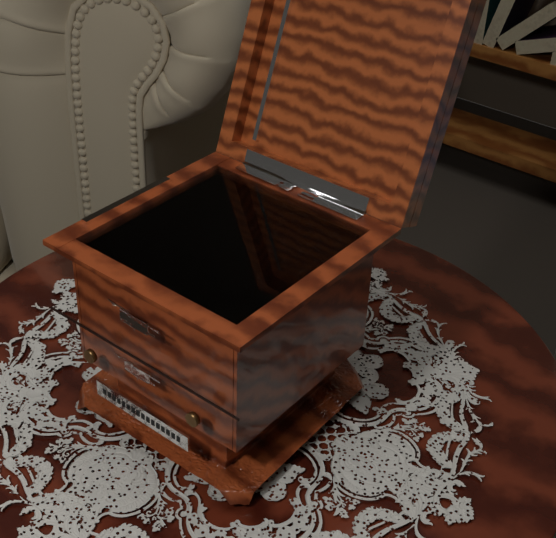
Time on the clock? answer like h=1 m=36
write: h=12 m=43
